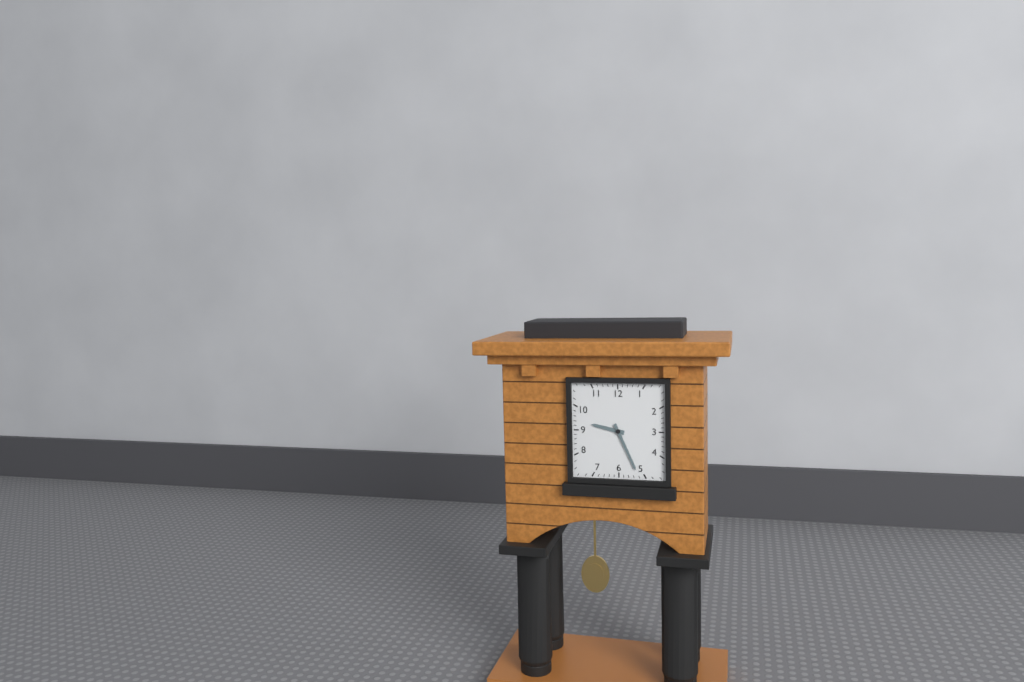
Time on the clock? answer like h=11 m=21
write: h=9 m=26
